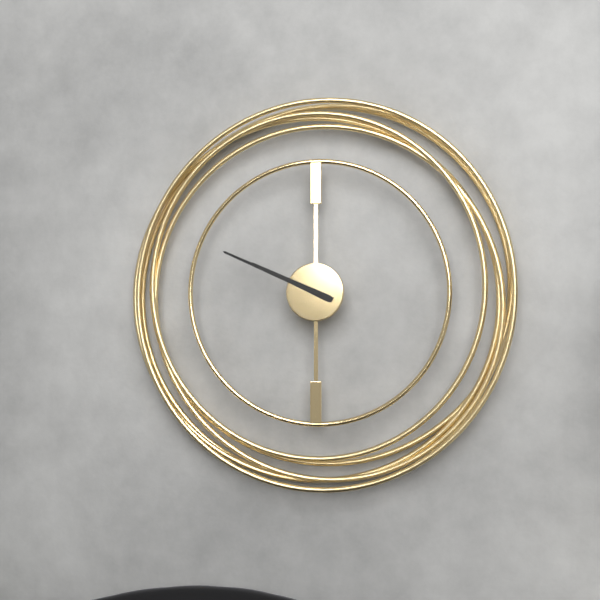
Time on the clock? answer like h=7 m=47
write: h=9 m=49
